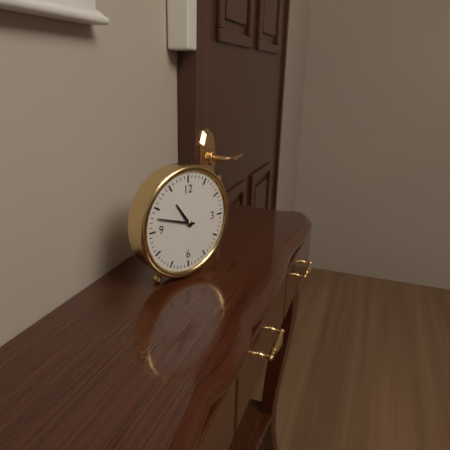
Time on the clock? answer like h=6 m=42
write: h=10 m=48
